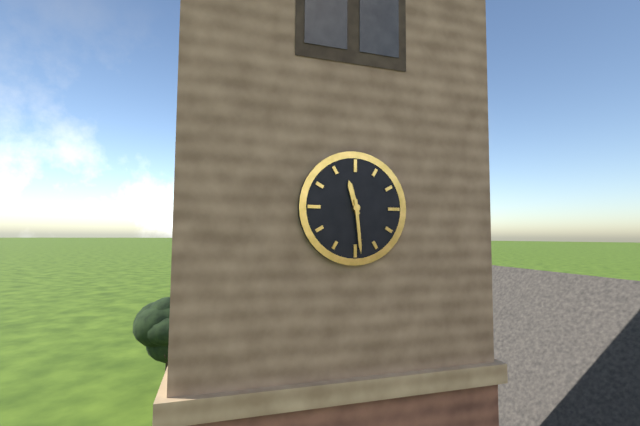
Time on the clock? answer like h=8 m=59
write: h=11 m=29
